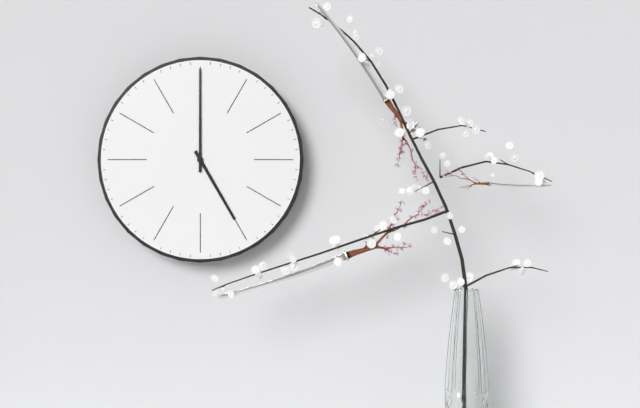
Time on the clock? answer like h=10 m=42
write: h=5 m=0
